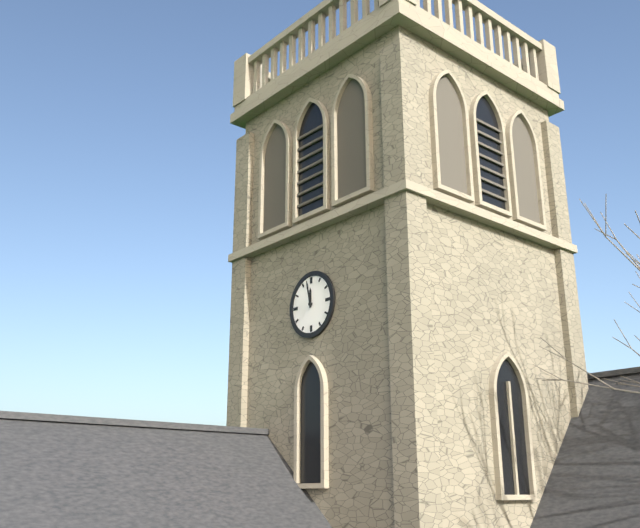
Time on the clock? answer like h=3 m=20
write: h=11 m=58
